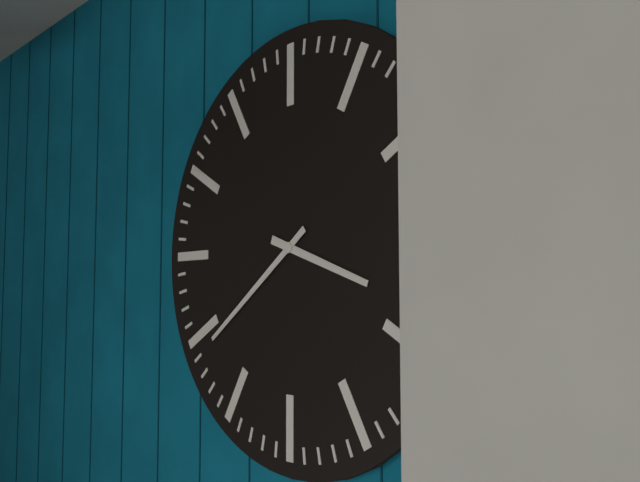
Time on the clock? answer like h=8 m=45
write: h=3 m=39
